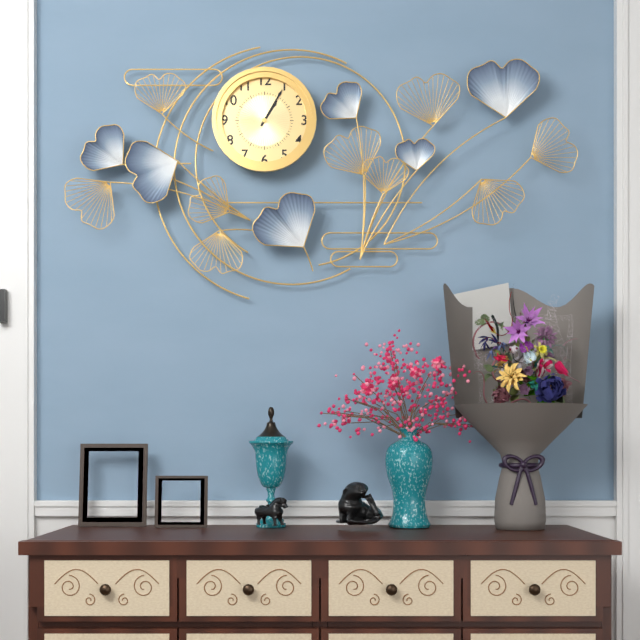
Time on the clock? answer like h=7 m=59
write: h=1 m=5
